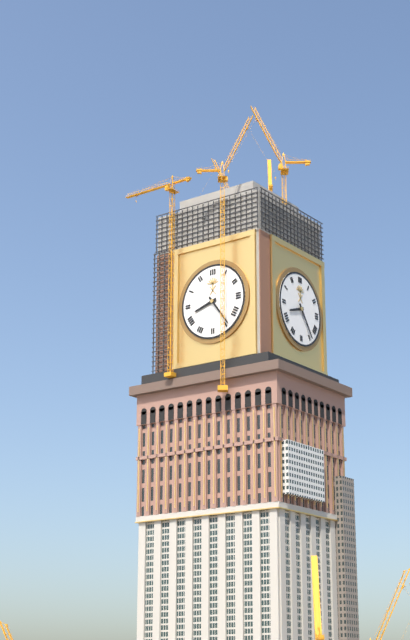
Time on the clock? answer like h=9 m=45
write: h=8 m=24
